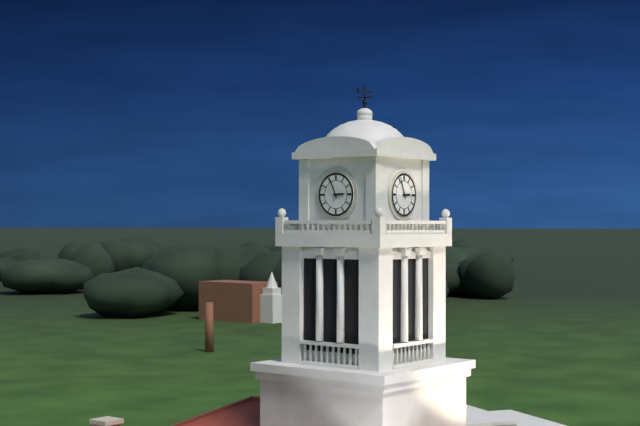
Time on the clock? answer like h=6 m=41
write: h=2 m=56
